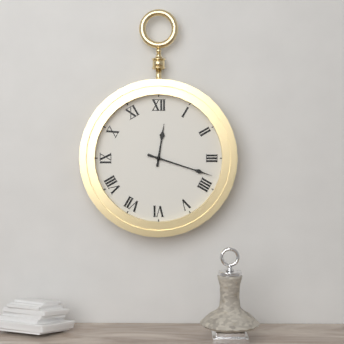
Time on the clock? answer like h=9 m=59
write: h=12 m=18
